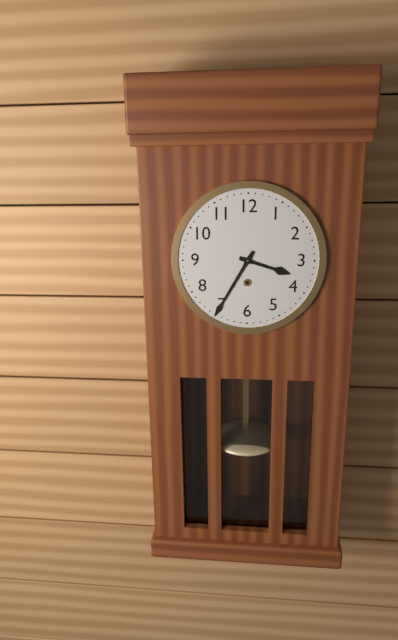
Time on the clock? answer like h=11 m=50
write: h=3 m=35
